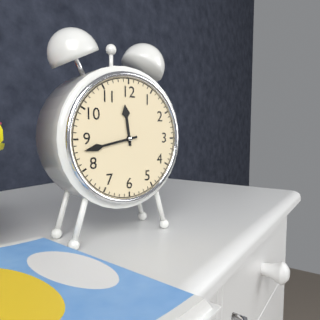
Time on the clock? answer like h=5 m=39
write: h=11 m=43
